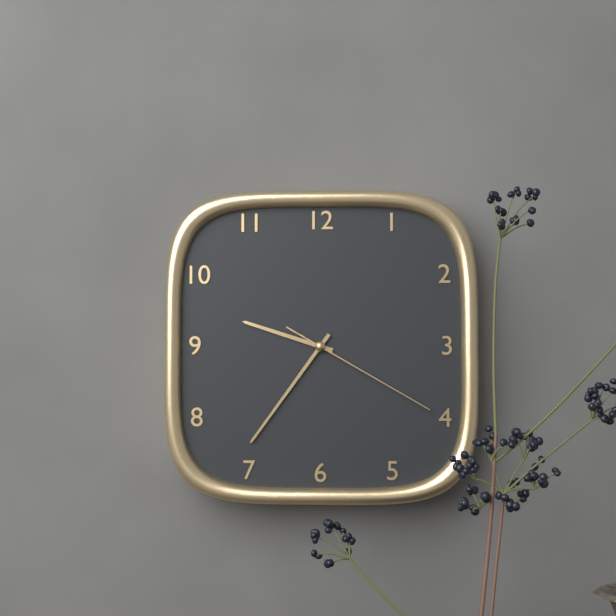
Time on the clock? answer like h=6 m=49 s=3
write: h=9 m=36 s=20
